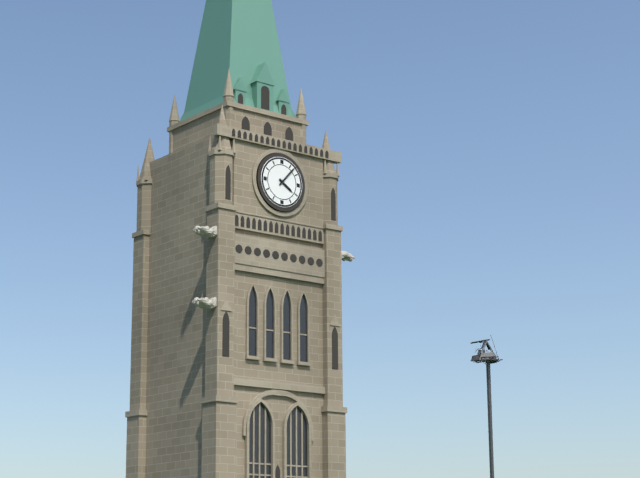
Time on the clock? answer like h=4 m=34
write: h=4 m=7
